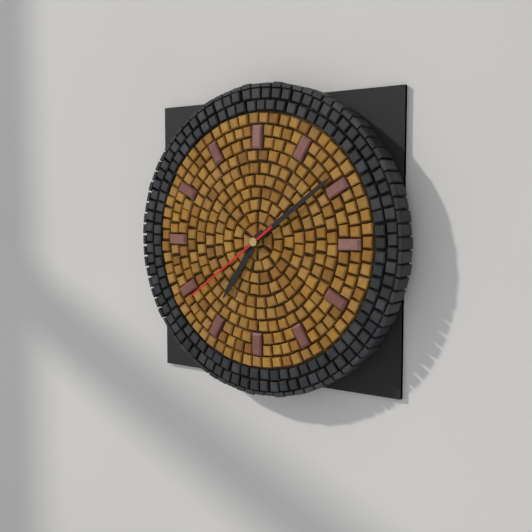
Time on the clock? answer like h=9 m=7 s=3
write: h=7 m=9 s=39
